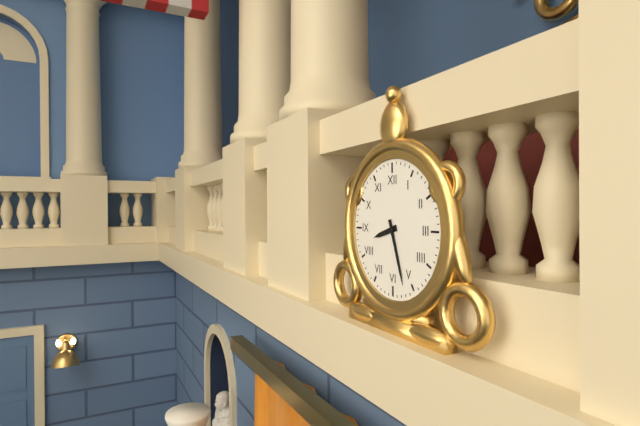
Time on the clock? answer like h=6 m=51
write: h=8 m=27
